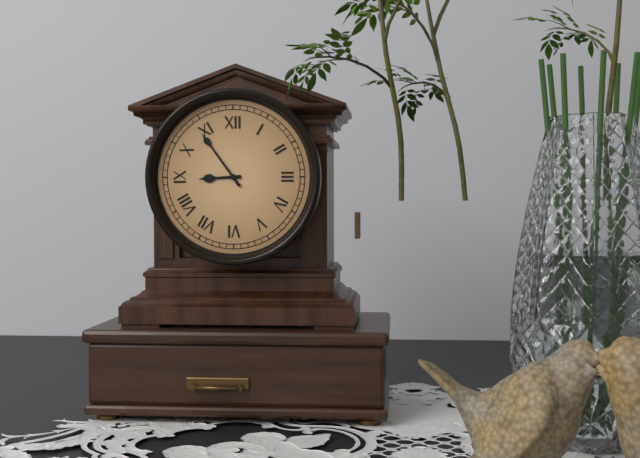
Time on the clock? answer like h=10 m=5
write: h=8 m=54
